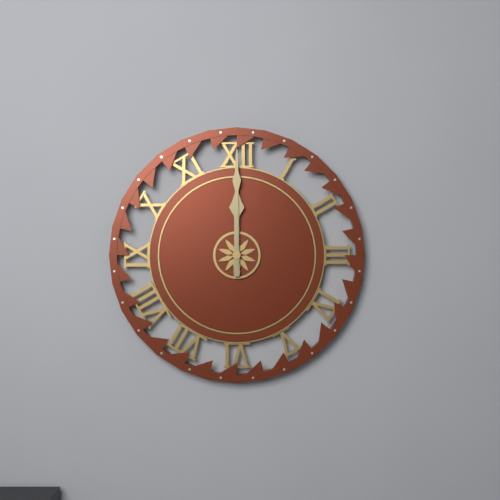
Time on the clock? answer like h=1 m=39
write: h=12 m=0
